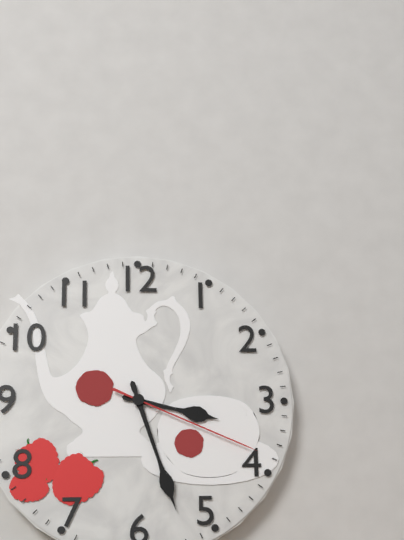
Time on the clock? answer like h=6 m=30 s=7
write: h=3 m=27 s=19
